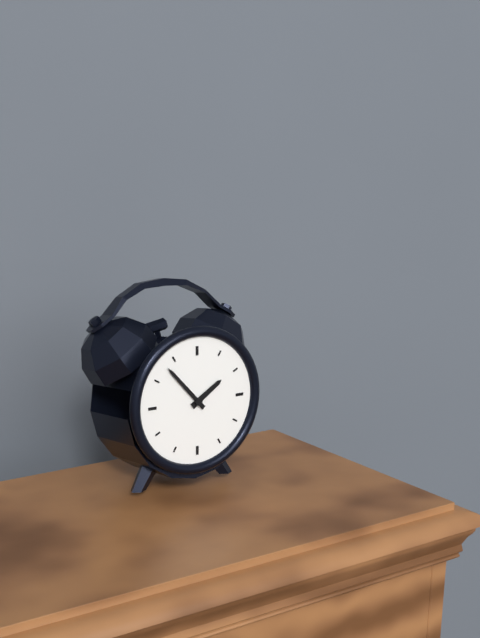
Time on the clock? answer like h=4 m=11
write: h=1 m=53
